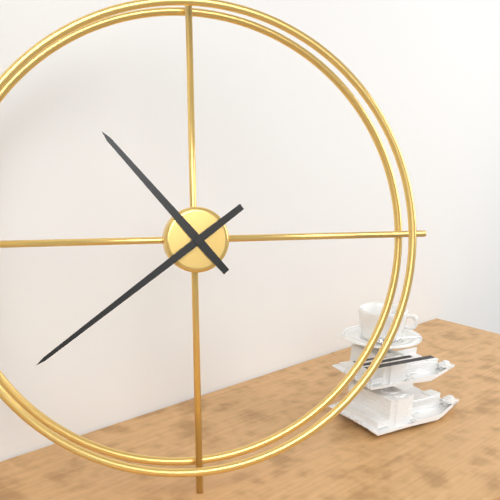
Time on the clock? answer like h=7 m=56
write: h=10 m=39
